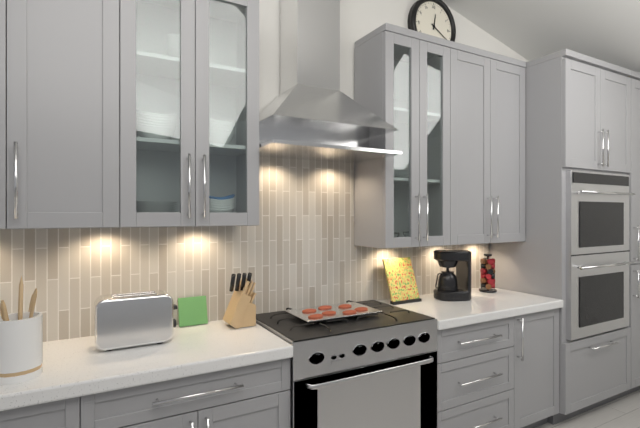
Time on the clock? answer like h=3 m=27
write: h=12 m=20
